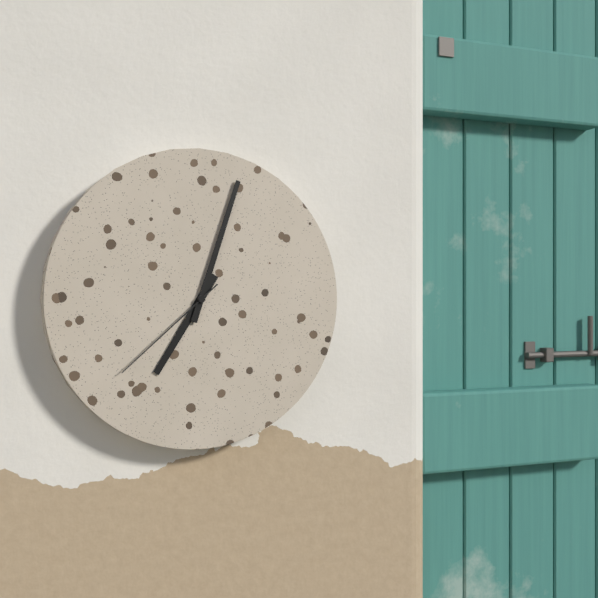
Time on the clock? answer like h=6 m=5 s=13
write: h=7 m=3 s=38
